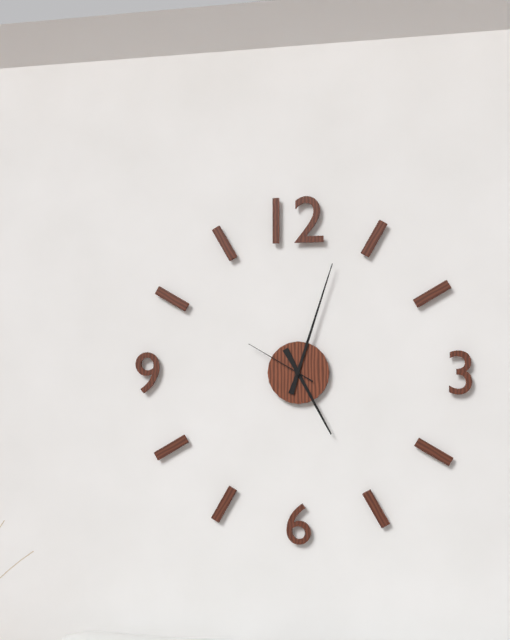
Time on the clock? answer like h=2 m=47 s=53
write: h=5 m=3 s=50
